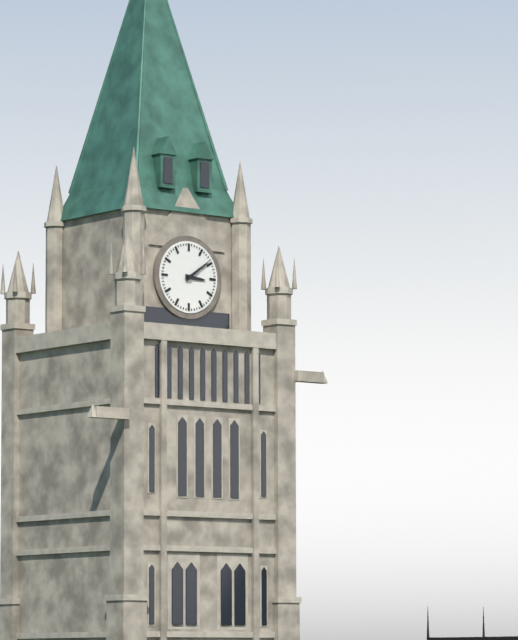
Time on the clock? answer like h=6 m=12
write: h=3 m=9
